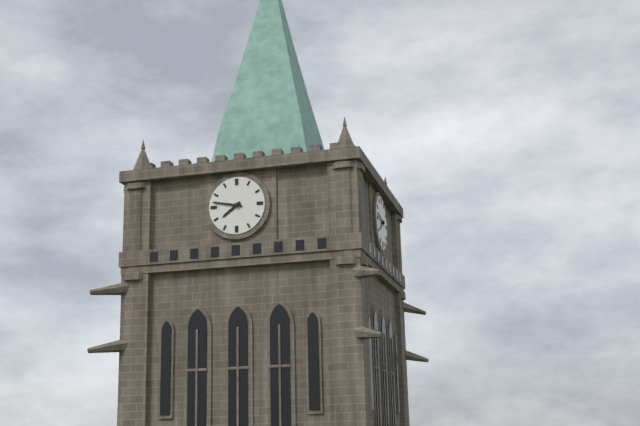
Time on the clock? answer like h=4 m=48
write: h=7 m=47
